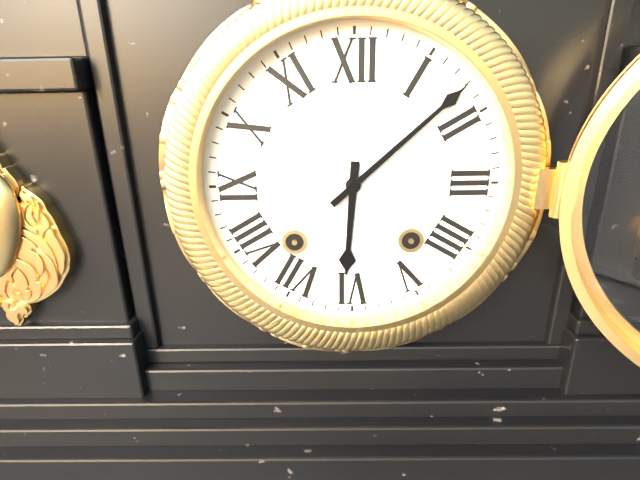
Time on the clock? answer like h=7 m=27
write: h=6 m=8
